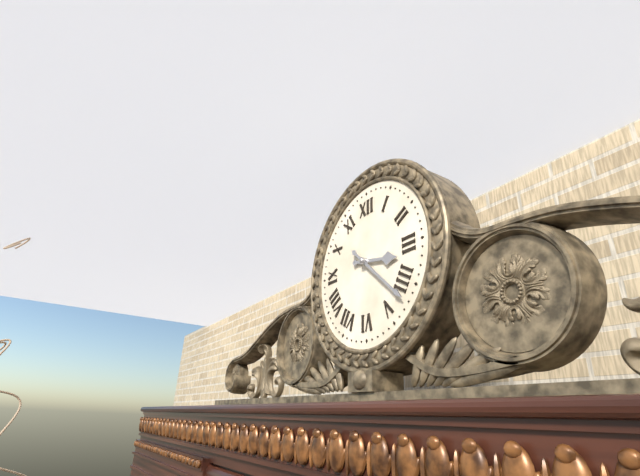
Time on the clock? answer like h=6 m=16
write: h=3 m=22
